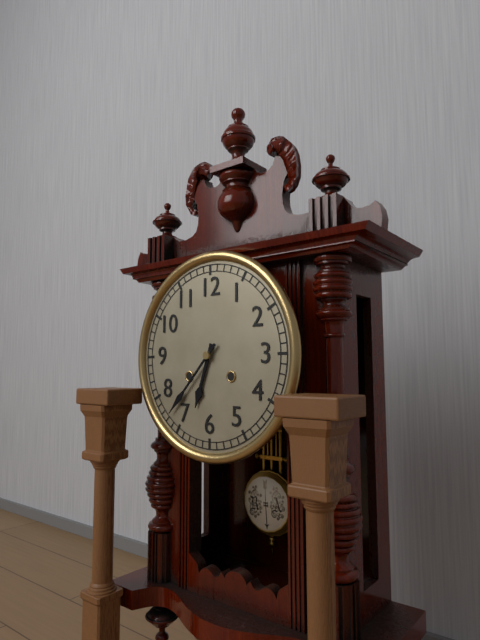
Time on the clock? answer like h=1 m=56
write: h=6 m=37
